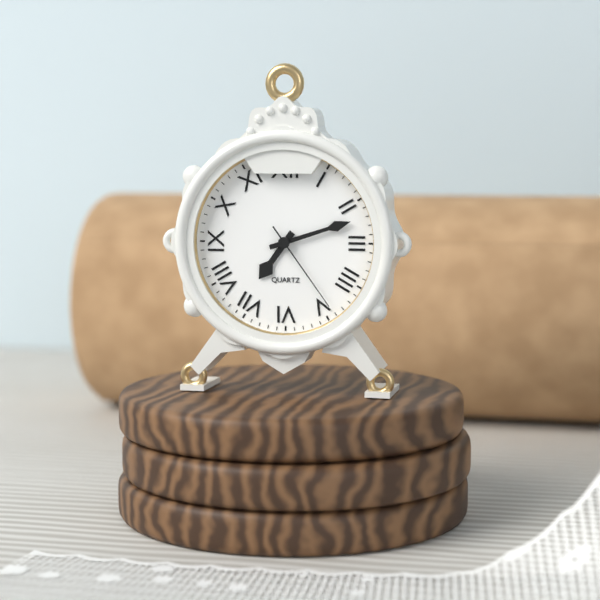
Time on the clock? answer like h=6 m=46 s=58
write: h=7 m=12 s=24
